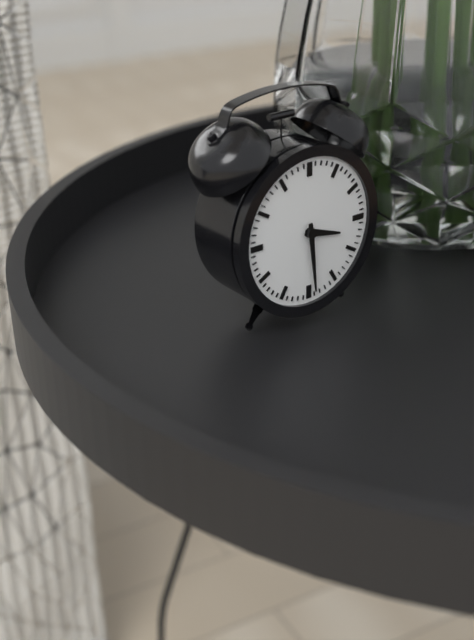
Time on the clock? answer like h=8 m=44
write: h=3 m=29
